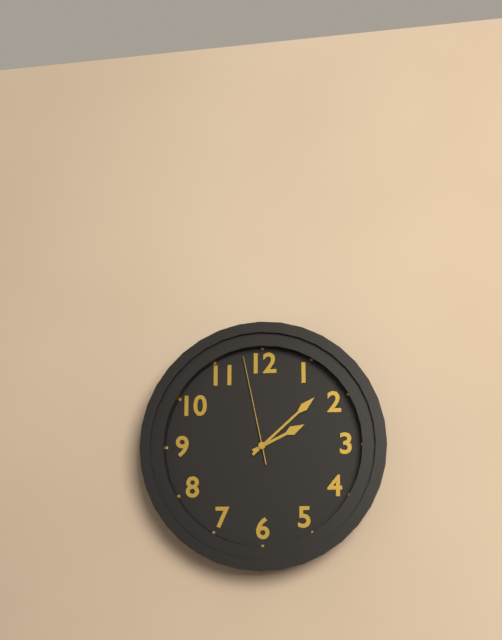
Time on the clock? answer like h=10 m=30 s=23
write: h=2 m=8 s=58
